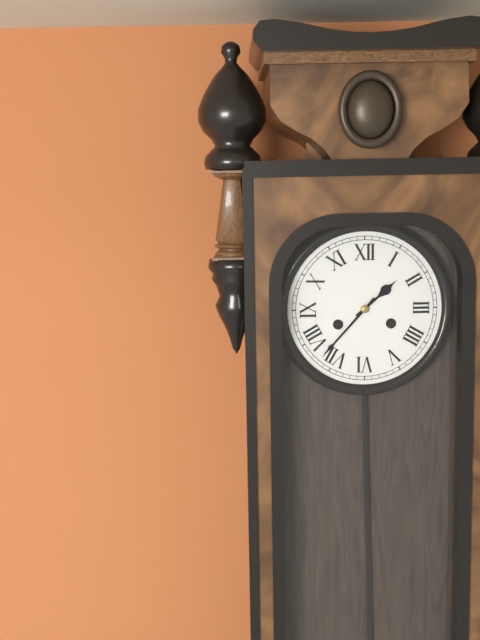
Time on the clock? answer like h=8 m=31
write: h=1 m=37
